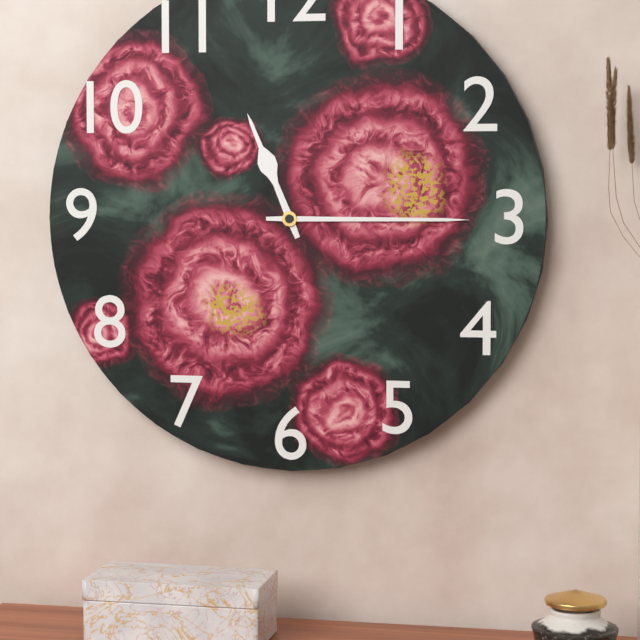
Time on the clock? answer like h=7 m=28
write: h=11 m=15
